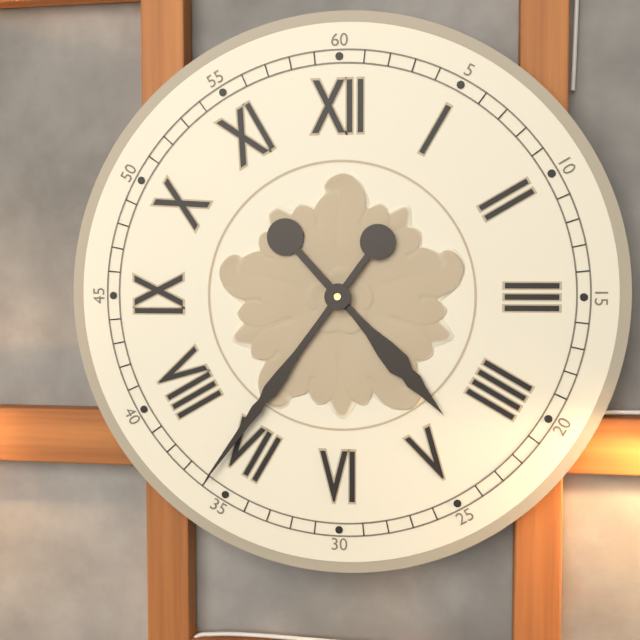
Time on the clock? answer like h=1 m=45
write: h=4 m=36
